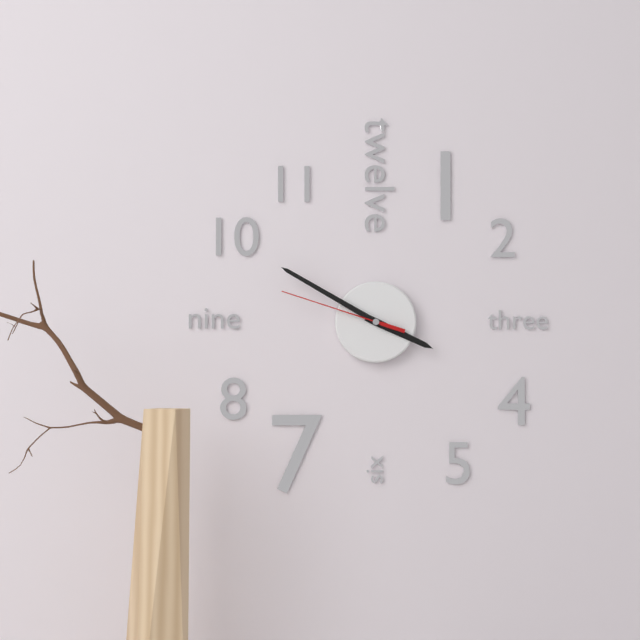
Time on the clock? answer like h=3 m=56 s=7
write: h=3 m=50 s=48
